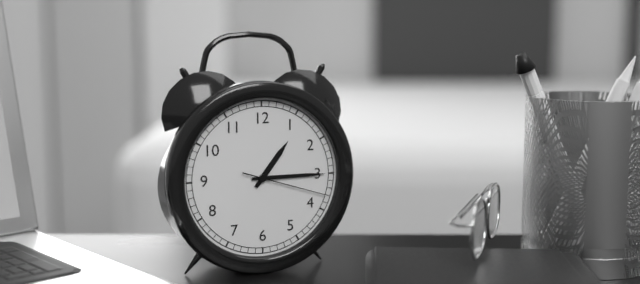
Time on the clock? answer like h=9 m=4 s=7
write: h=1 m=15 s=18
